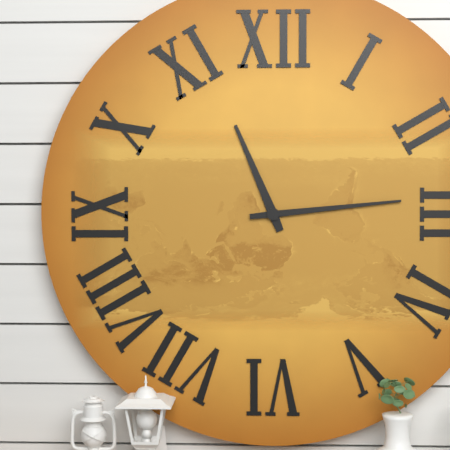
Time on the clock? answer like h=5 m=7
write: h=11 m=14
